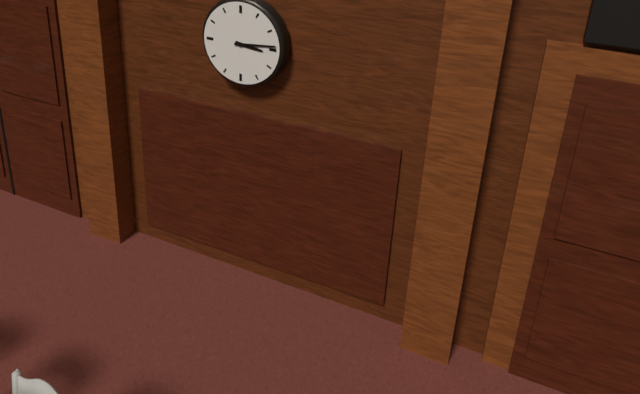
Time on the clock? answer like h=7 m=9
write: h=3 m=14
